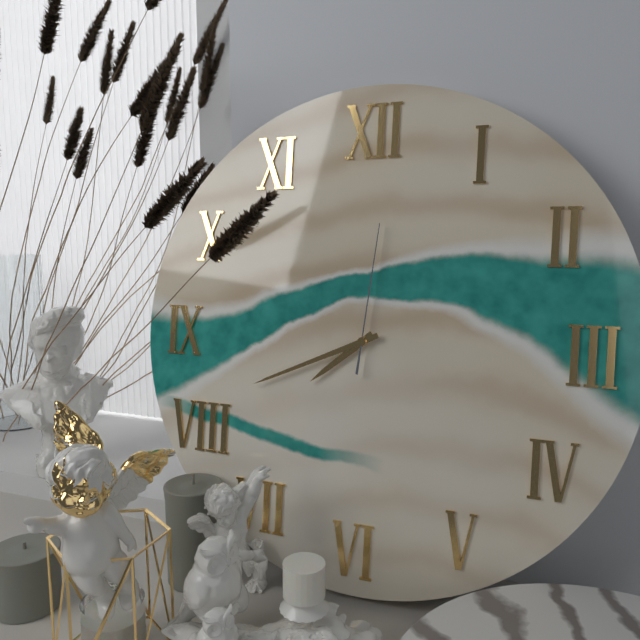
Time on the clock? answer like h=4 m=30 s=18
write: h=7 m=41 s=1
